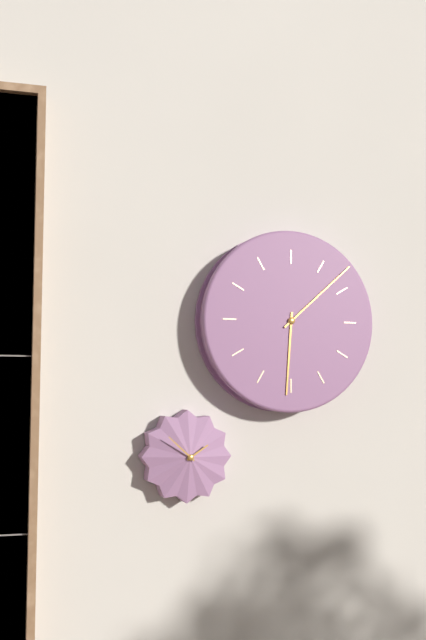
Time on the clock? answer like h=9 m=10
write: h=6 m=8
